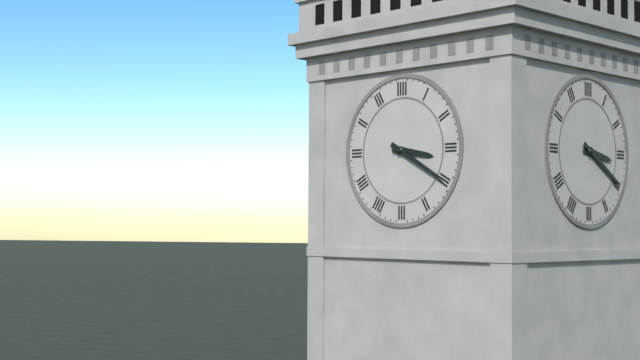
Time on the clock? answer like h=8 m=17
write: h=3 m=20
